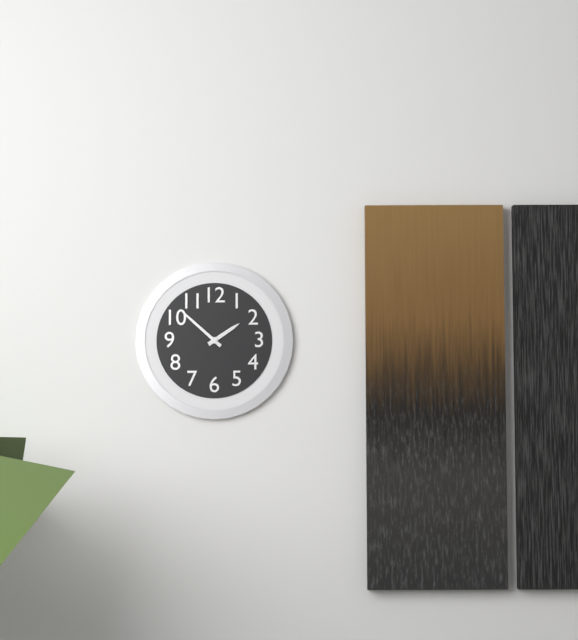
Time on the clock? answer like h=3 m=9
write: h=1 m=52
